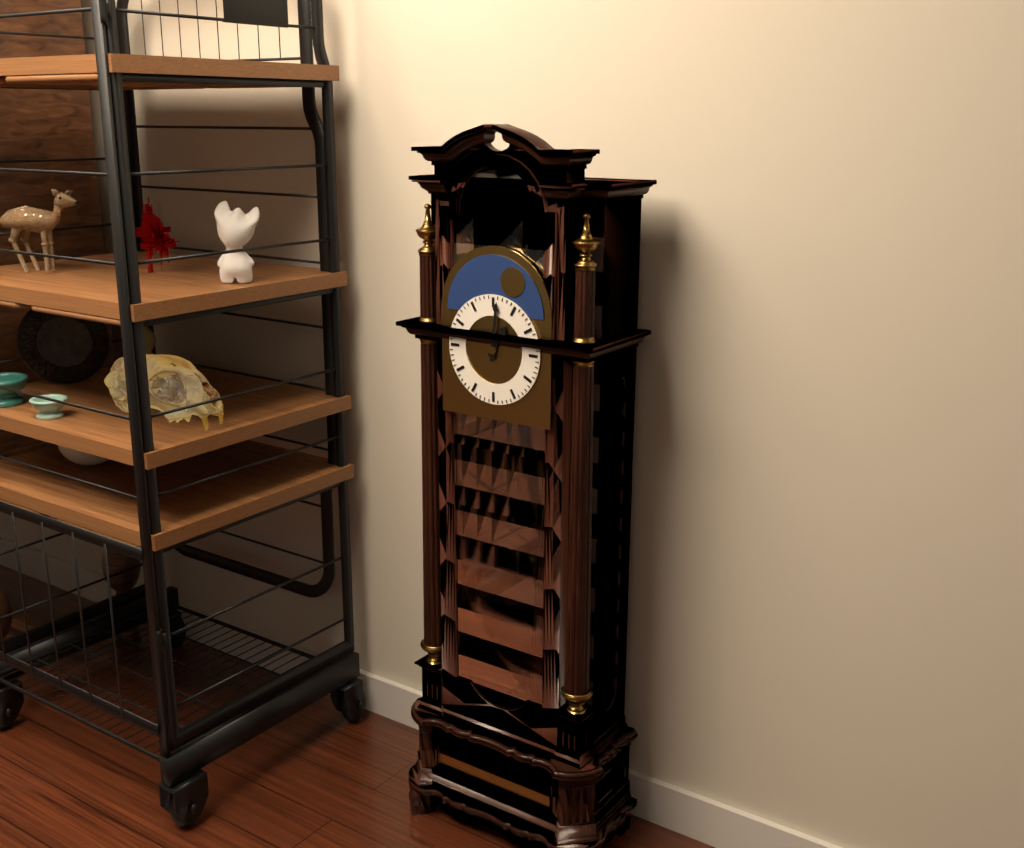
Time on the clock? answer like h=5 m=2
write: h=1 m=1
